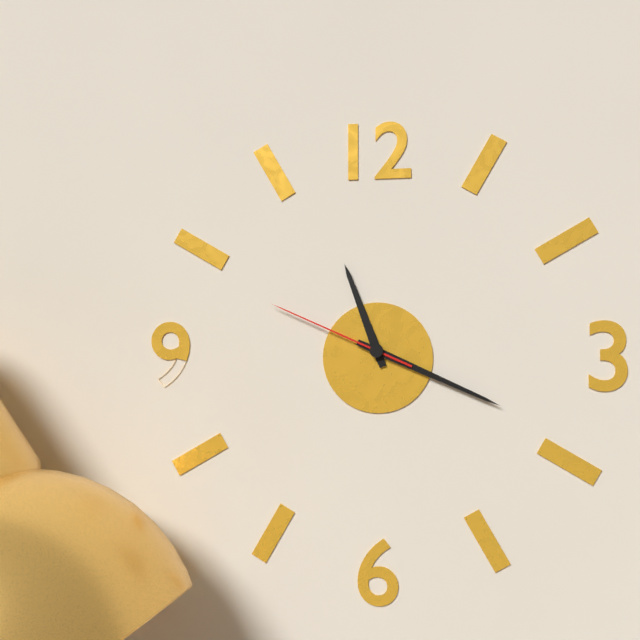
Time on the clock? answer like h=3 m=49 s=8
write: h=11 m=19 s=49
